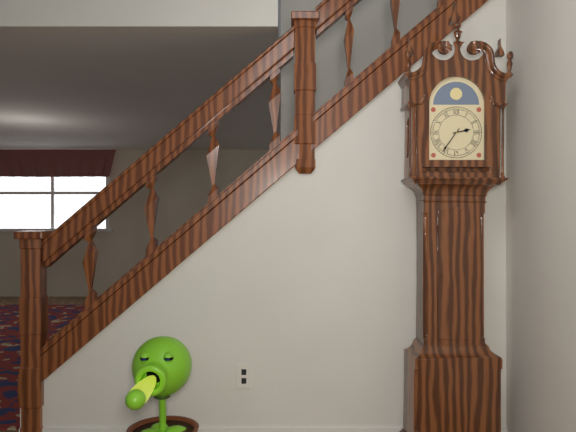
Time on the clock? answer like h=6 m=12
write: h=2 m=36
